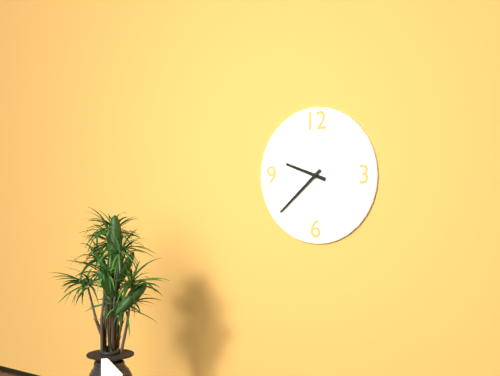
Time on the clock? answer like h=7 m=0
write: h=9 m=38
